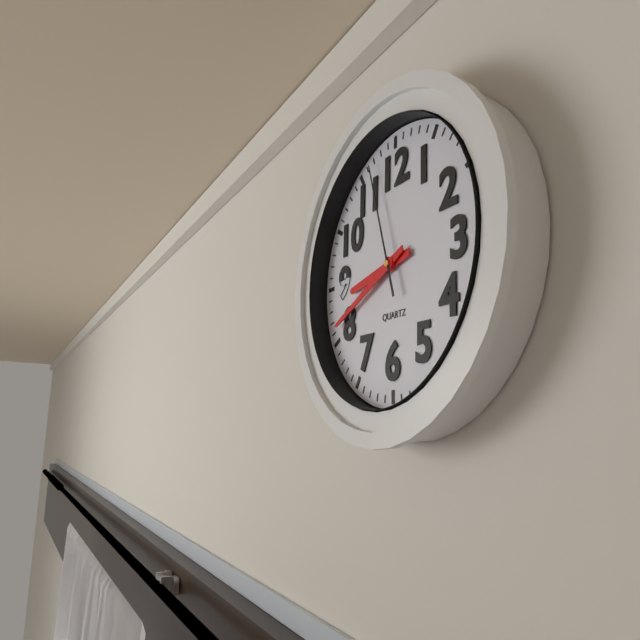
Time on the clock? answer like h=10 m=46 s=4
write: h=8 m=41 s=57
